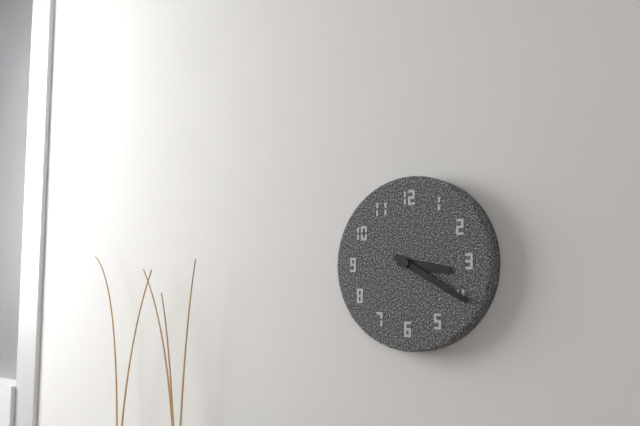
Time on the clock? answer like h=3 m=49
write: h=3 m=20
